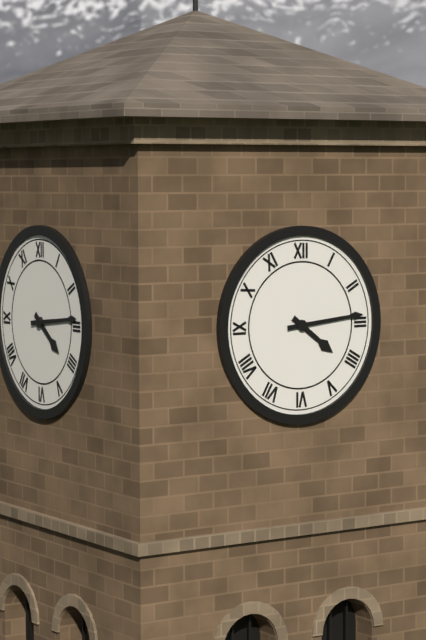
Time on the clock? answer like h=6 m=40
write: h=4 m=14
